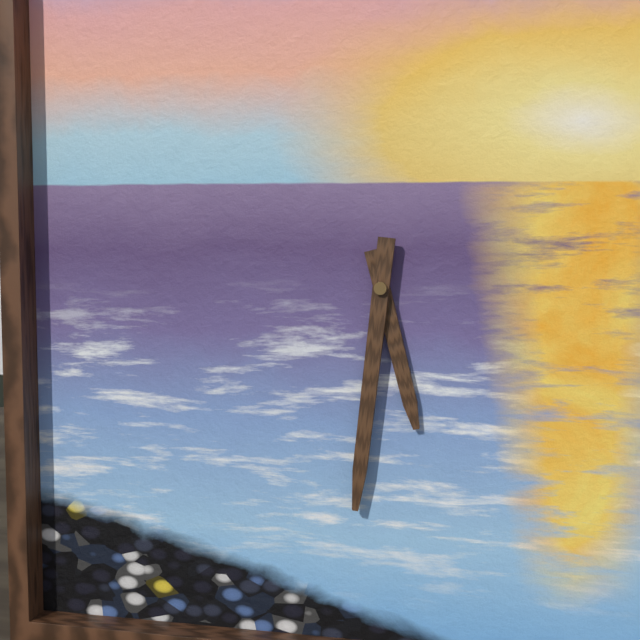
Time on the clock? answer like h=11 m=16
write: h=5 m=31
